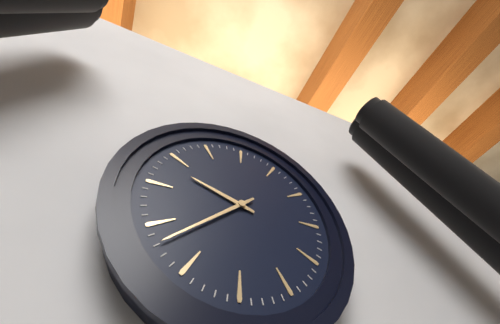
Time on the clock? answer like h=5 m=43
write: h=9 m=38
